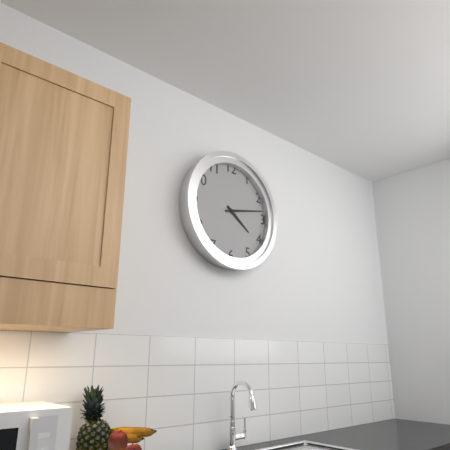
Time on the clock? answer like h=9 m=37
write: h=4 m=13
